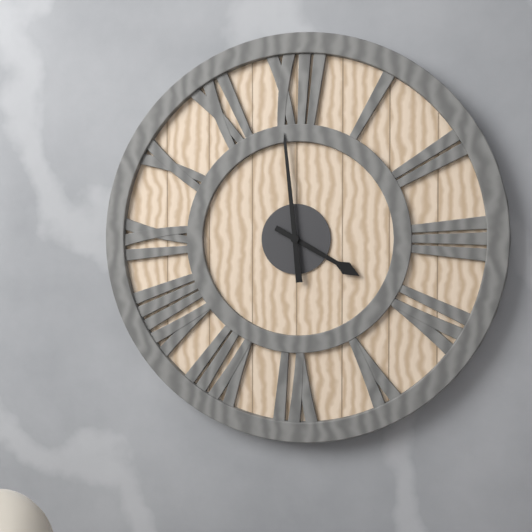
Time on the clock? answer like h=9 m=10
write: h=3 m=59
